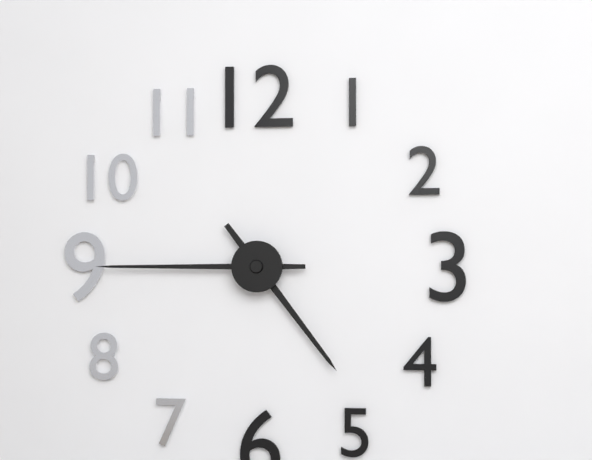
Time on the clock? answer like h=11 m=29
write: h=4 m=45
